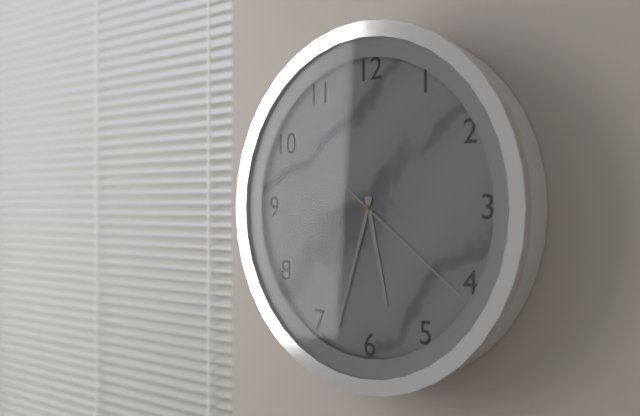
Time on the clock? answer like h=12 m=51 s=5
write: h=5 m=33 s=21
